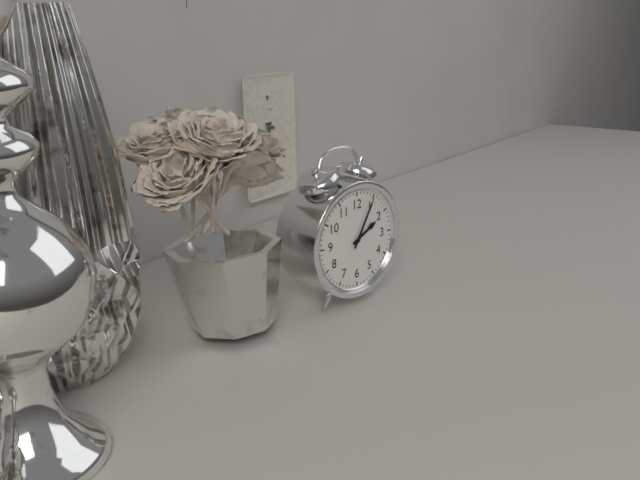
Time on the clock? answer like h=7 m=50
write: h=2 m=5
